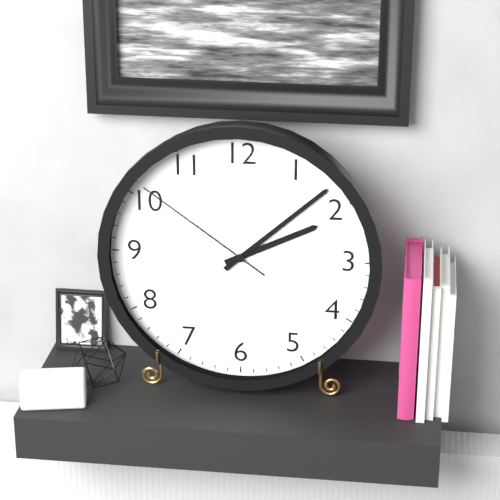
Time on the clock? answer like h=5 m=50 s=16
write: h=2 m=8 s=51
